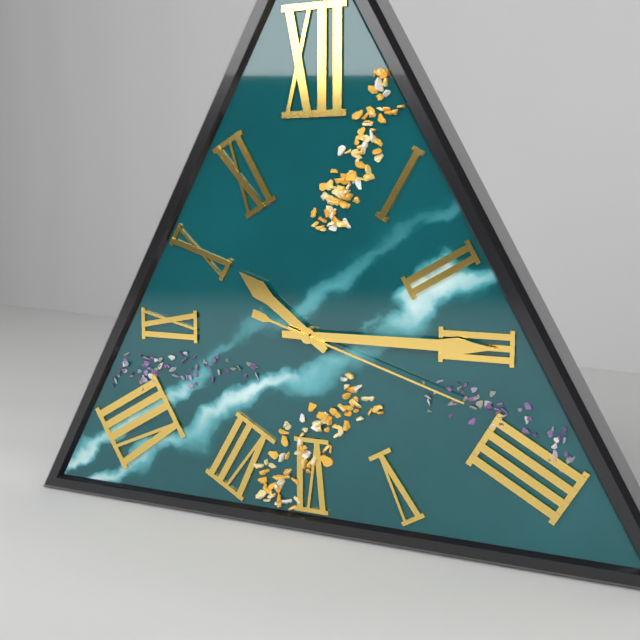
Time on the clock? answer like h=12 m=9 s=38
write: h=10 m=15 s=18
